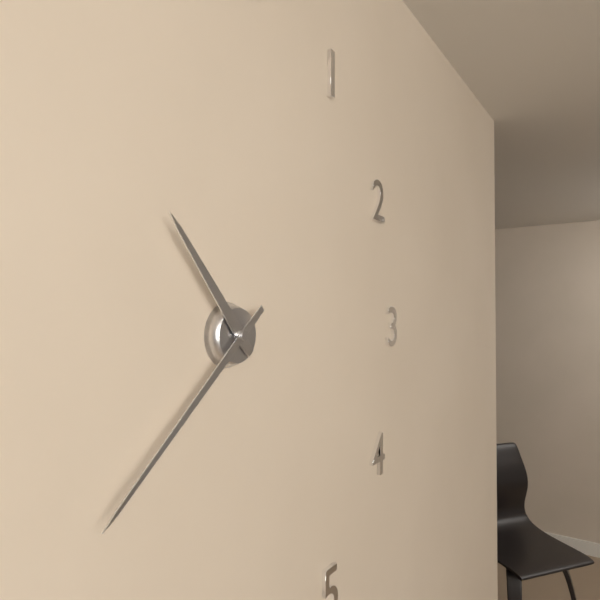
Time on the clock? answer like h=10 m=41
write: h=10 m=38
